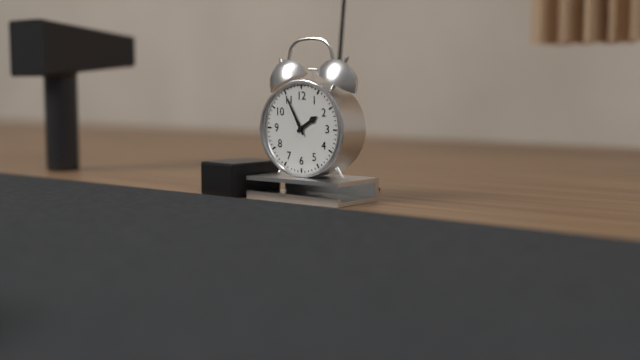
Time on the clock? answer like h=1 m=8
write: h=1 m=55
